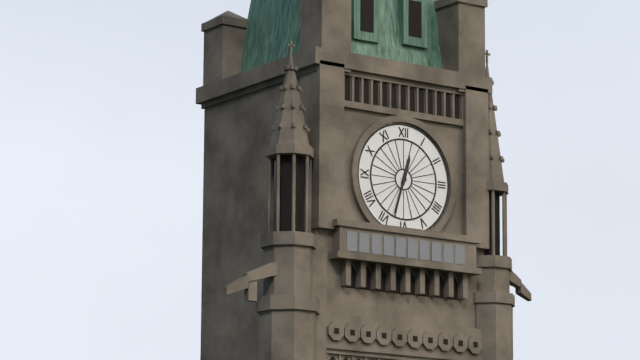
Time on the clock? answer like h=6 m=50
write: h=12 m=33
